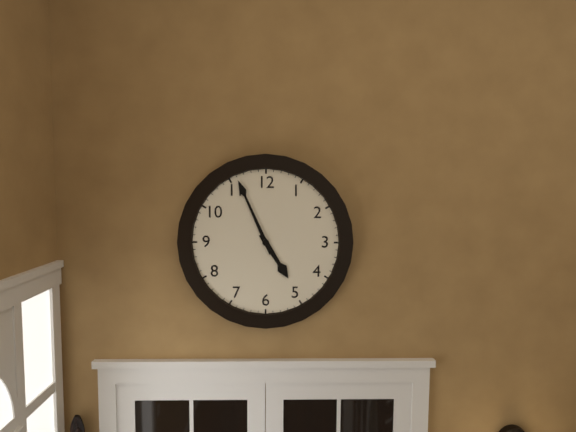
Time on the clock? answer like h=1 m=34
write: h=4 m=56
